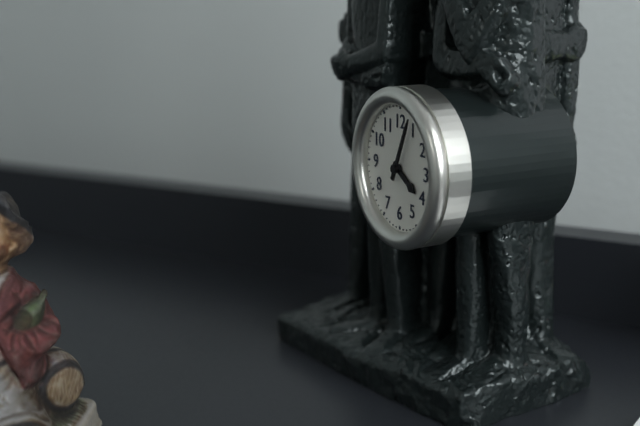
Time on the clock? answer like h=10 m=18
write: h=4 m=4
